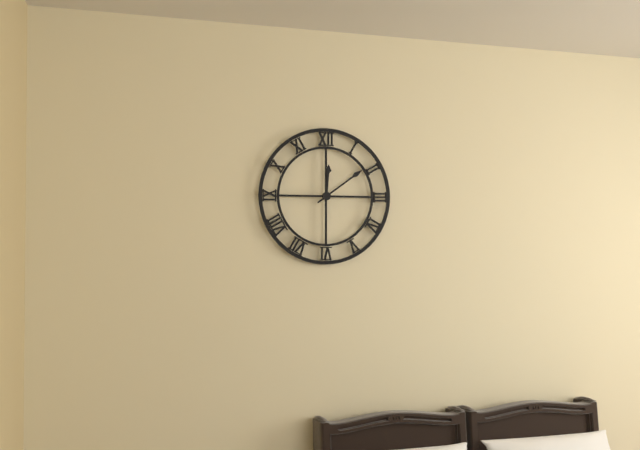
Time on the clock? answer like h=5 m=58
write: h=12 m=9
